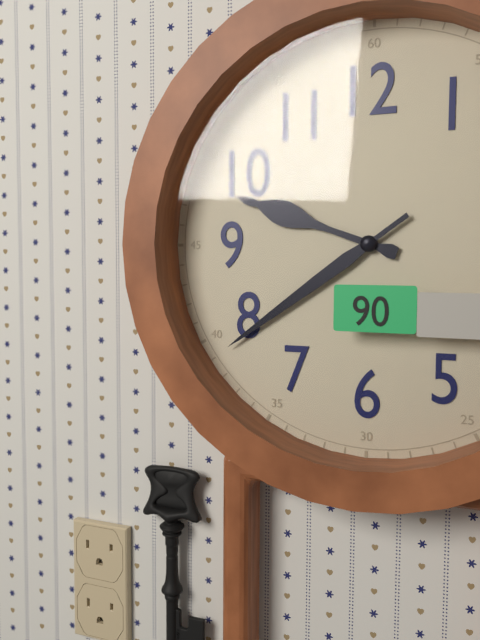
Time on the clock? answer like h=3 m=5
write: h=9 m=39
